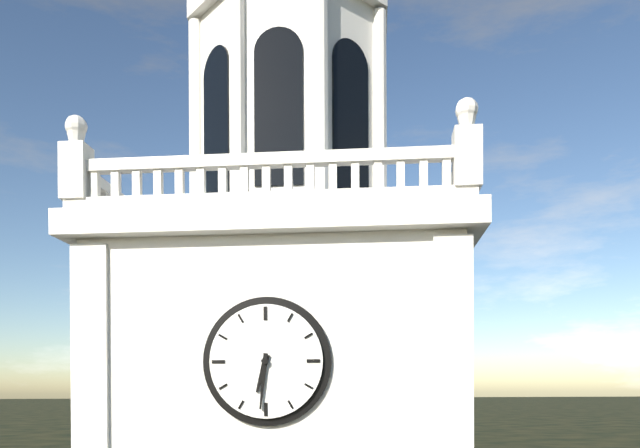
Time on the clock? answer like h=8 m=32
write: h=6 m=31
